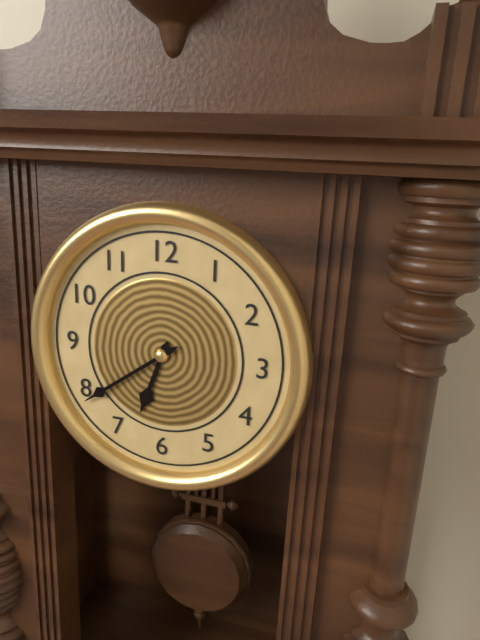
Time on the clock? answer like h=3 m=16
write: h=6 m=39
